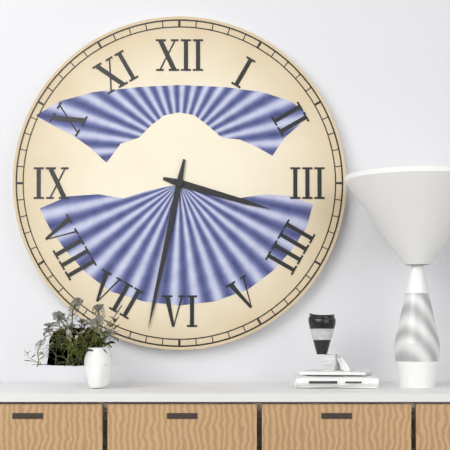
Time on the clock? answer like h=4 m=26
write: h=3 m=32
